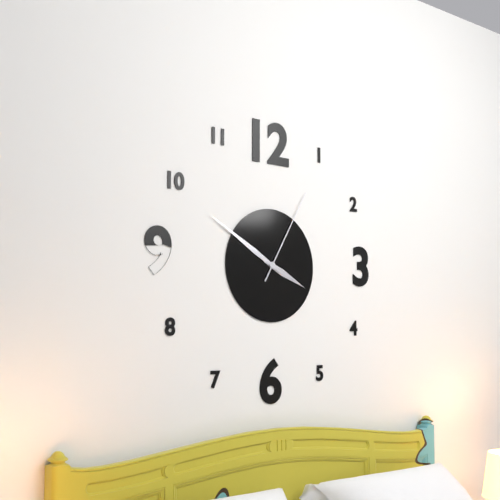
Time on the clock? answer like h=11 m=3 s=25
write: h=3 m=50 s=5
